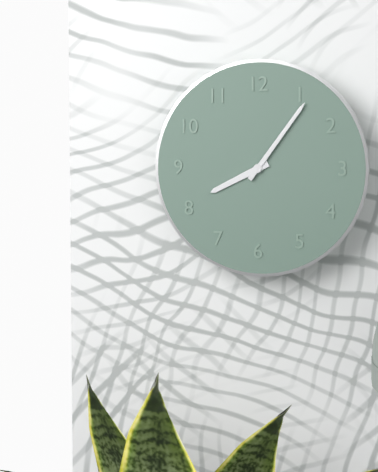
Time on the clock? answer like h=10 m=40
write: h=8 m=6
